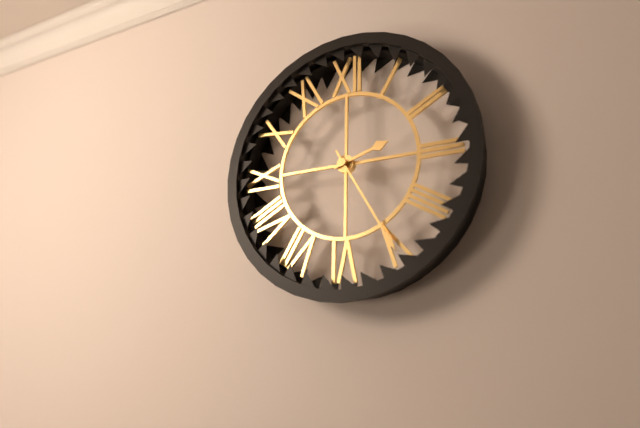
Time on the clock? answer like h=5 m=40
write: h=2 m=25
